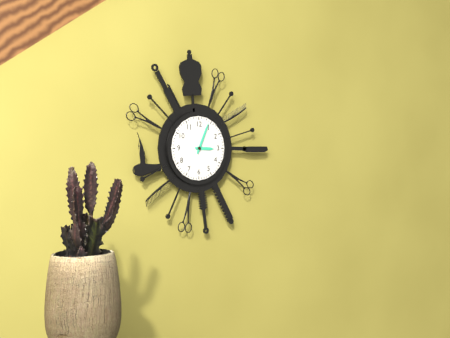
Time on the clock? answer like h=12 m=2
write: h=3 m=4
